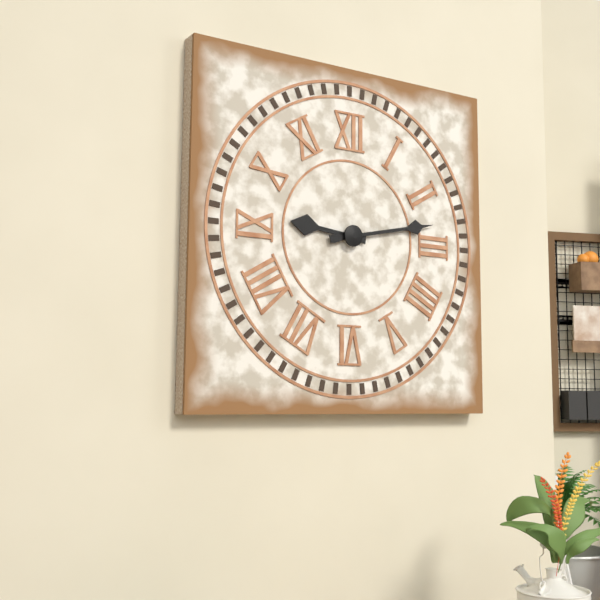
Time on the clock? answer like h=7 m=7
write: h=9 m=13
